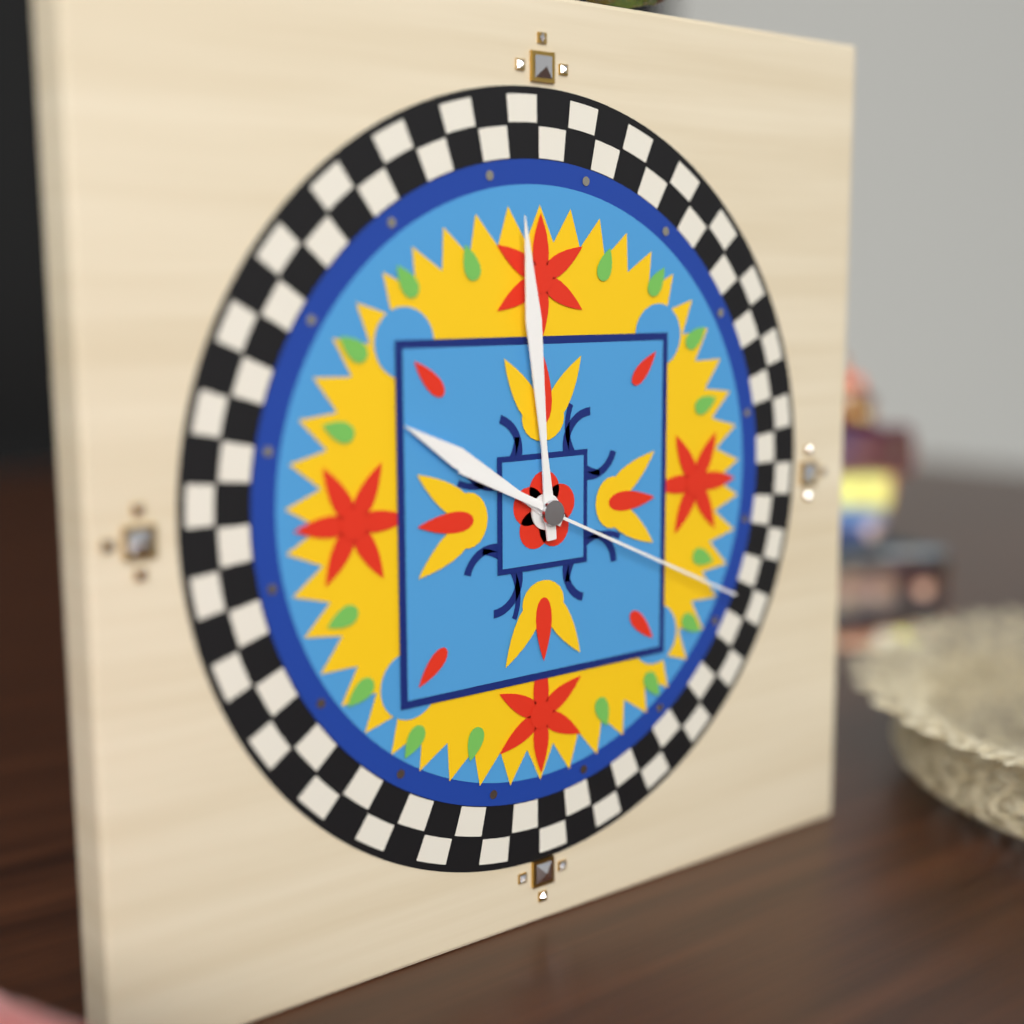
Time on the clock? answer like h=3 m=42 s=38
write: h=9 m=59 s=19
